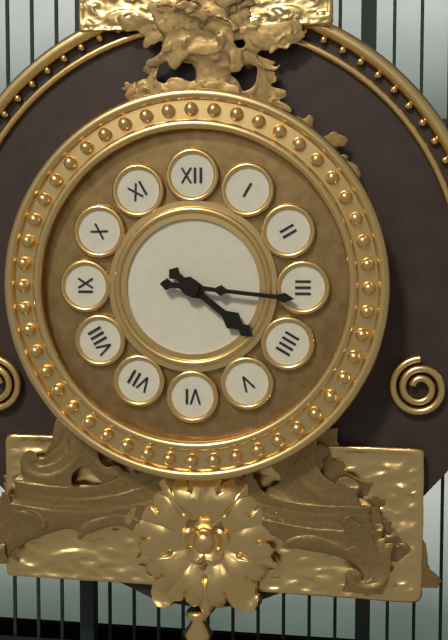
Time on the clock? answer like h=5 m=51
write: h=4 m=16
